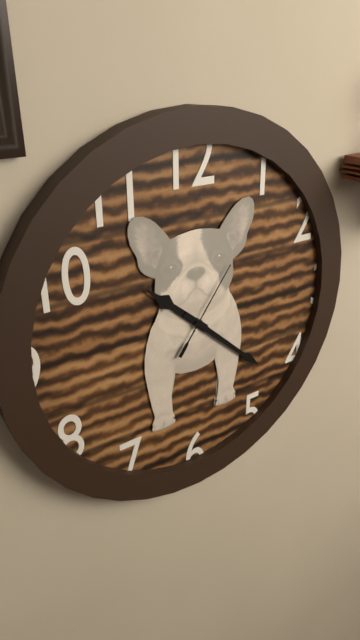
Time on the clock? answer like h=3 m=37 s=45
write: h=10 m=22 s=6
